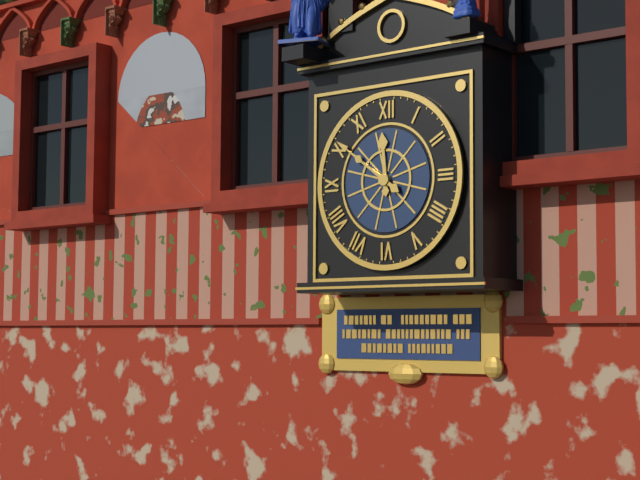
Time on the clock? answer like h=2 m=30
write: h=11 m=51
